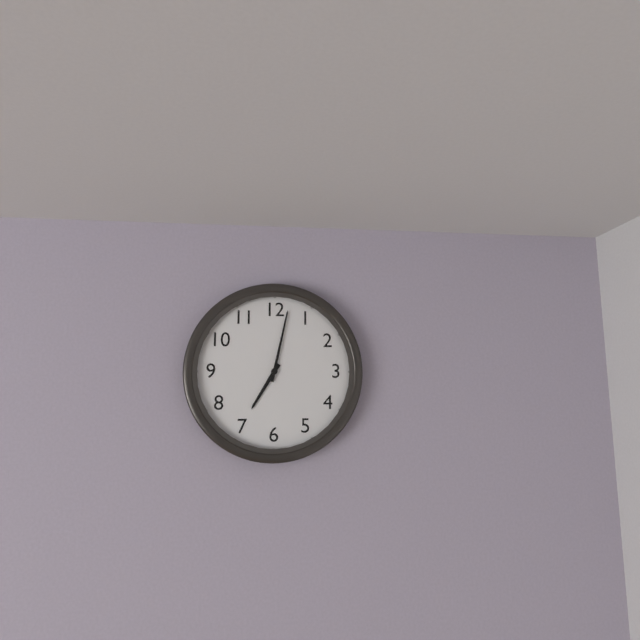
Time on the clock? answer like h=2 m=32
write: h=7 m=2
